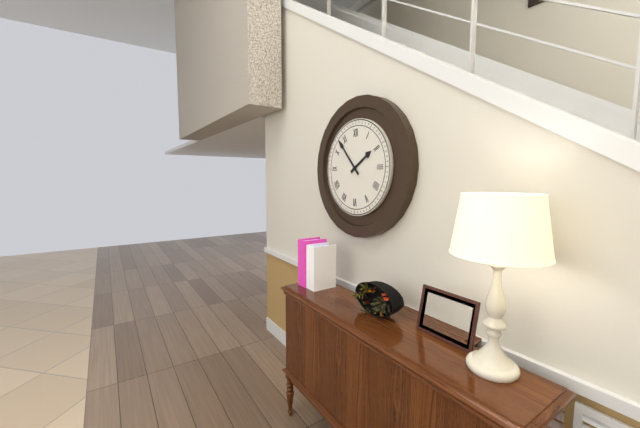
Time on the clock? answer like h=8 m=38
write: h=1 m=53
